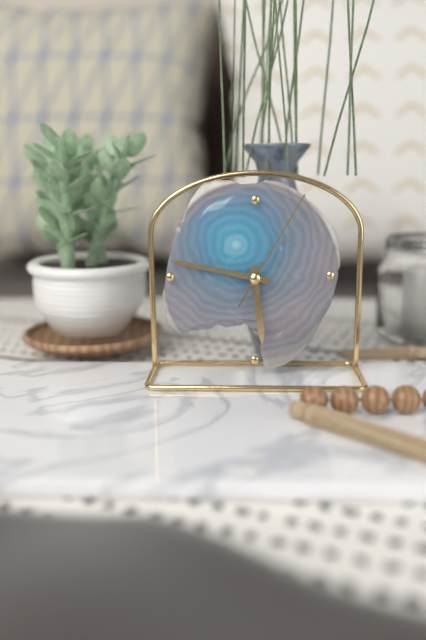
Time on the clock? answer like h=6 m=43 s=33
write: h=5 m=47 s=5
